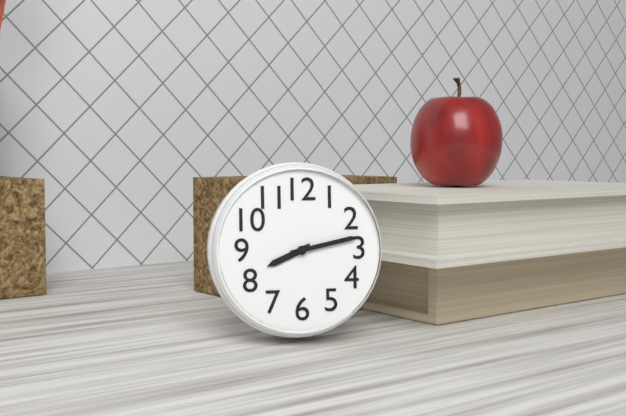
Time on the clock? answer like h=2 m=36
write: h=8 m=13
